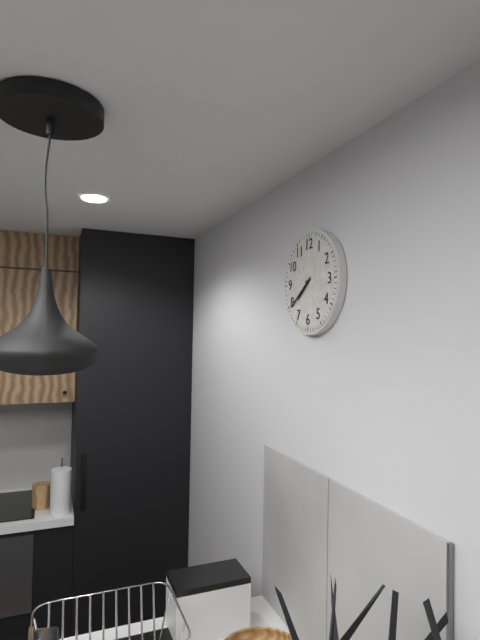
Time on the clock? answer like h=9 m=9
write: h=7 m=39
